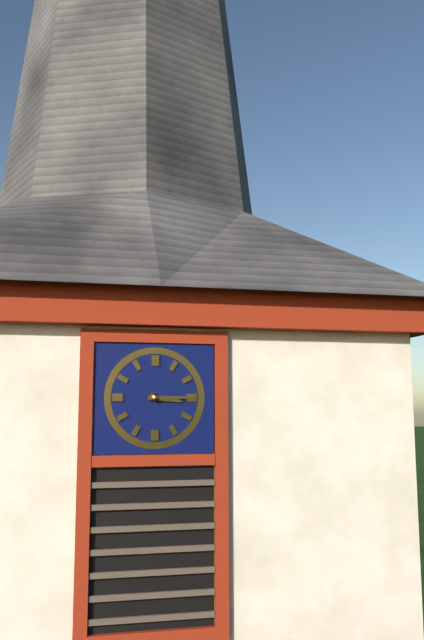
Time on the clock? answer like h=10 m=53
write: h=3 m=15
